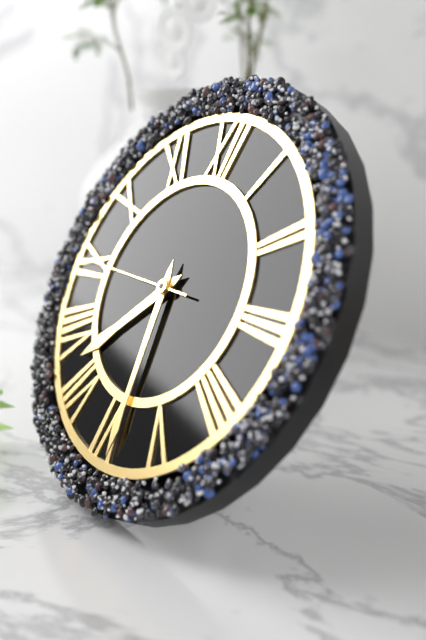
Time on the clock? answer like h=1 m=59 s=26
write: h=7 m=29 s=45
